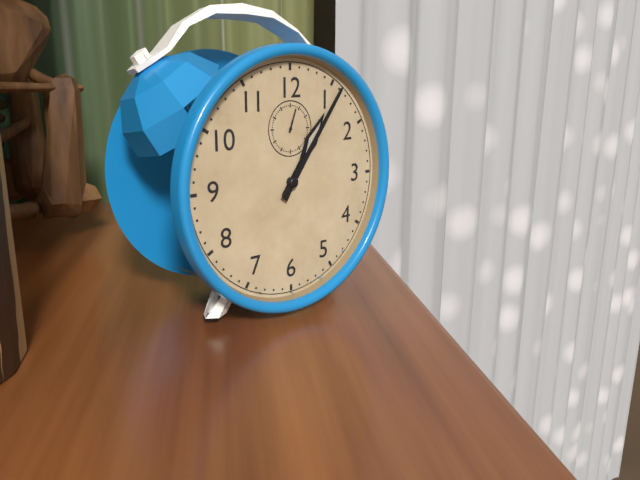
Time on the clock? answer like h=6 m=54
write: h=1 m=6
